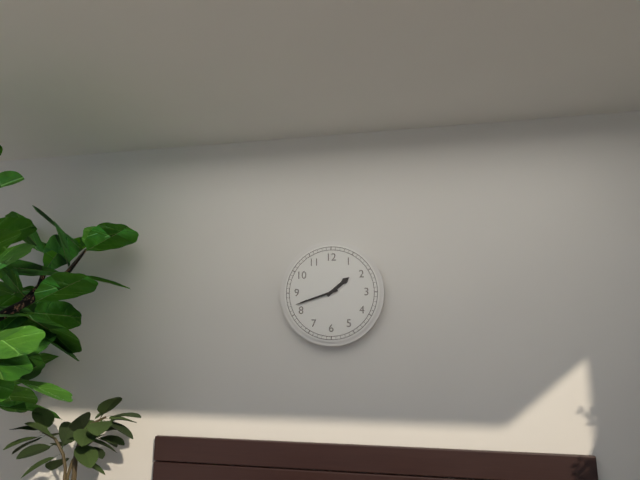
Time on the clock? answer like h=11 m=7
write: h=1 m=42
